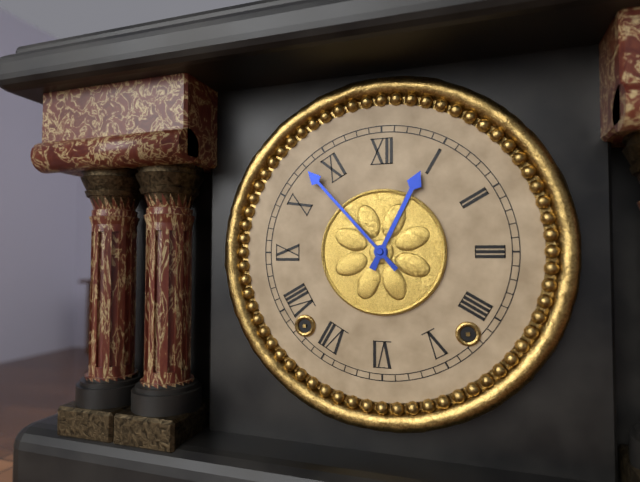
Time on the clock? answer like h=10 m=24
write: h=12 m=53
